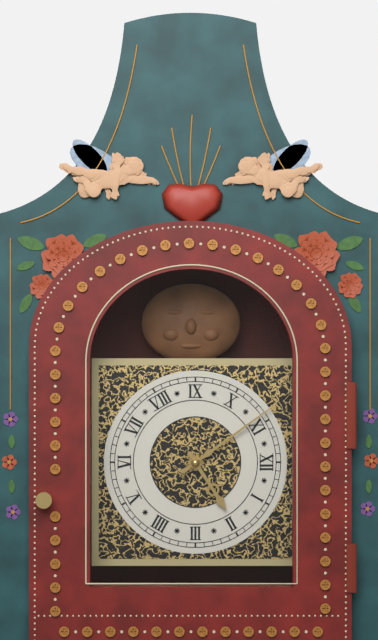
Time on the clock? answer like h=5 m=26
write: h=1 m=54
